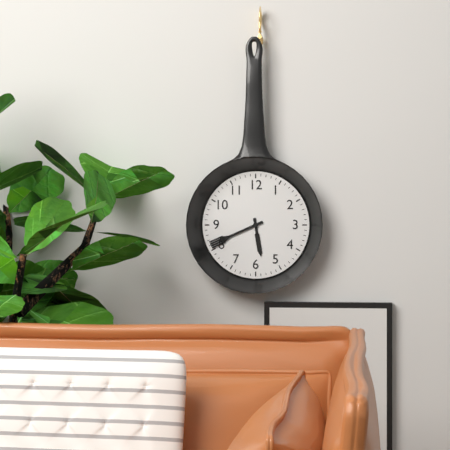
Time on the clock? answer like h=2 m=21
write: h=5 m=41
